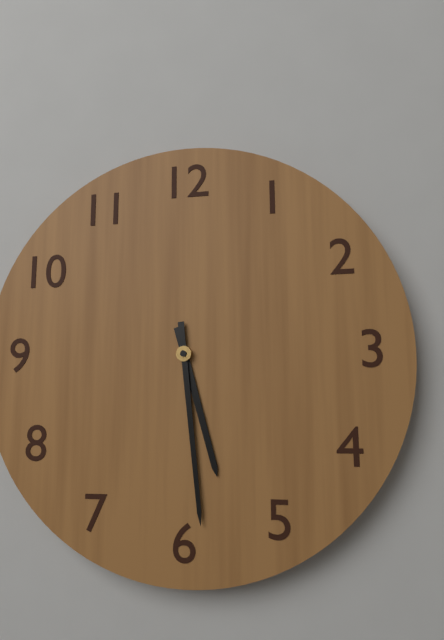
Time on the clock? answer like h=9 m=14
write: h=5 m=29
